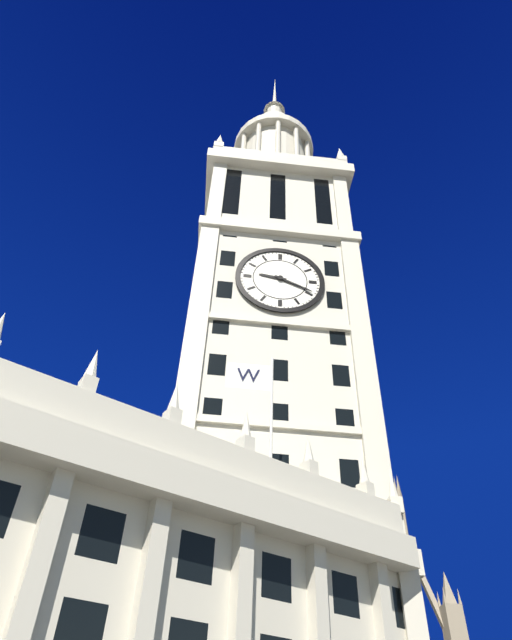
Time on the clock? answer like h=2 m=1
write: h=9 m=19
